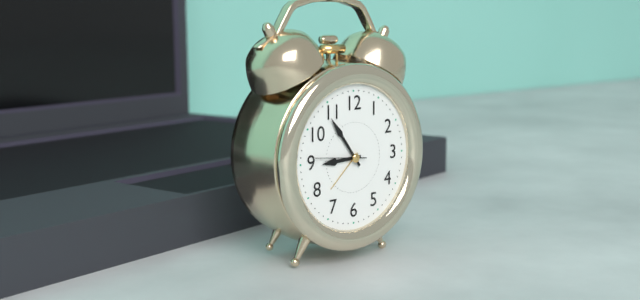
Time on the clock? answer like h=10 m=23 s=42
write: h=8 m=54 s=46
